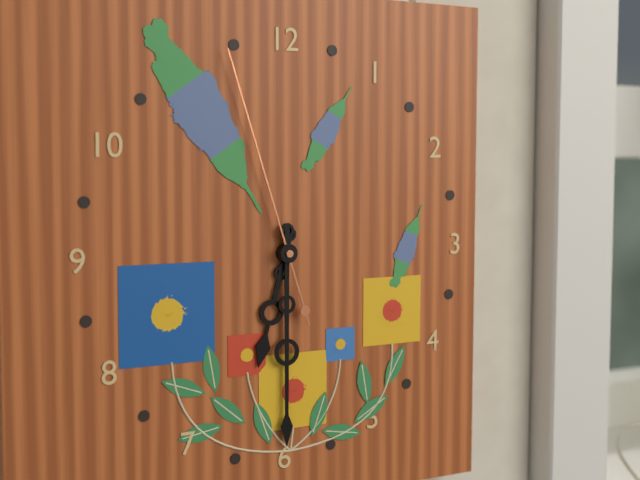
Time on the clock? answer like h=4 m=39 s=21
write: h=6 m=30 s=57
